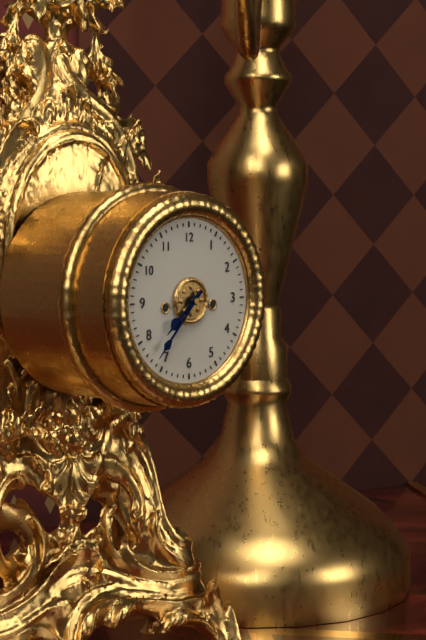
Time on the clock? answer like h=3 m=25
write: h=7 m=37
